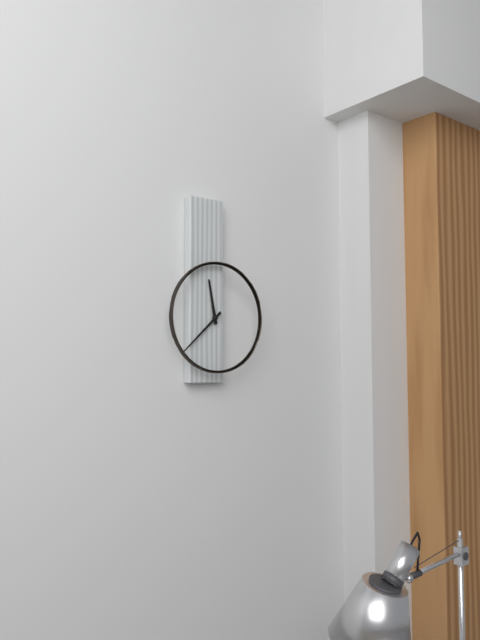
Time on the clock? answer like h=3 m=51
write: h=11 m=38
